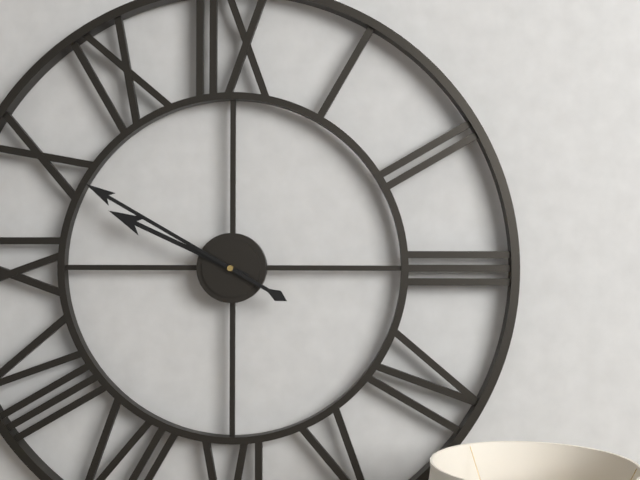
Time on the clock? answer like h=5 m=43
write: h=9 m=50
